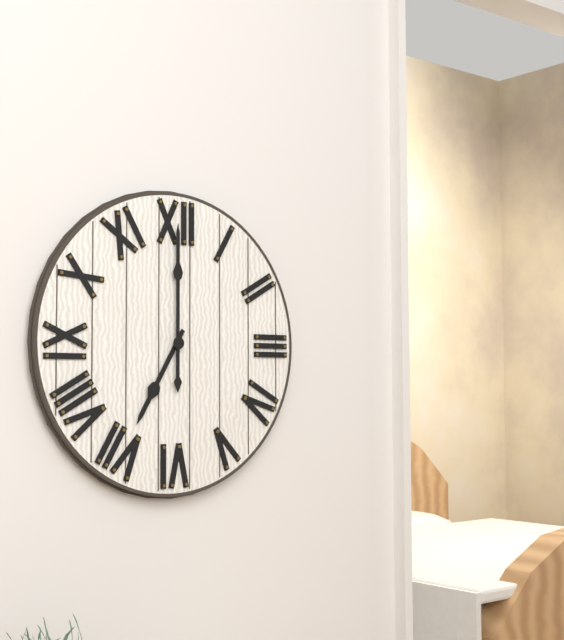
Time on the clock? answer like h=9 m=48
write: h=7 m=0
